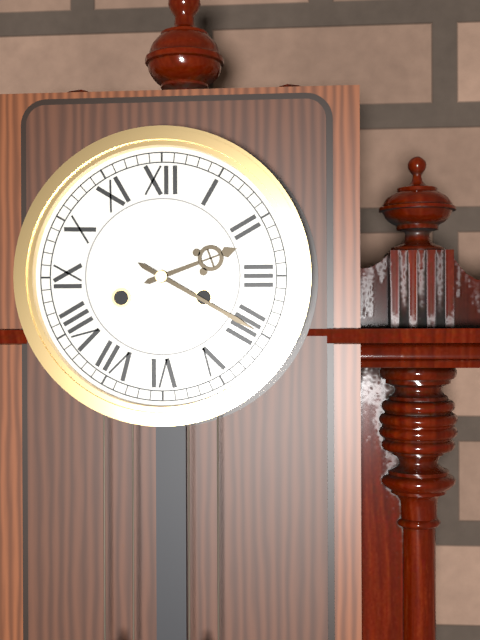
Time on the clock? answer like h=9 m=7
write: h=2 m=20
